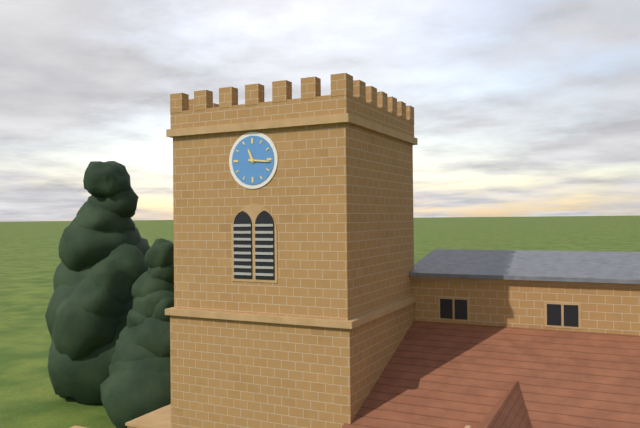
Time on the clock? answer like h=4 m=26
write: h=11 m=16
